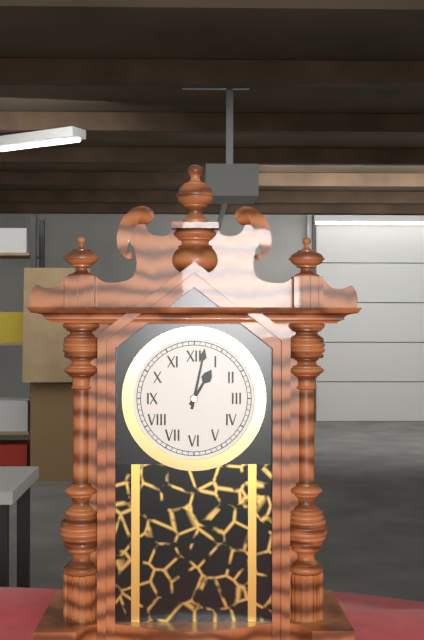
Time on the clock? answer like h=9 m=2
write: h=1 m=2
